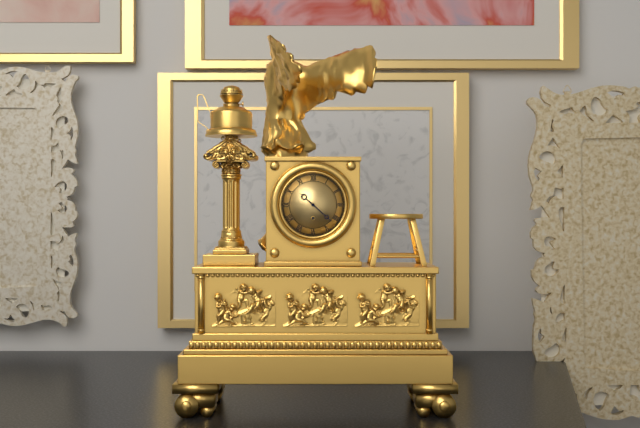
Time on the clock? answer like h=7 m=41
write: h=10 m=22
